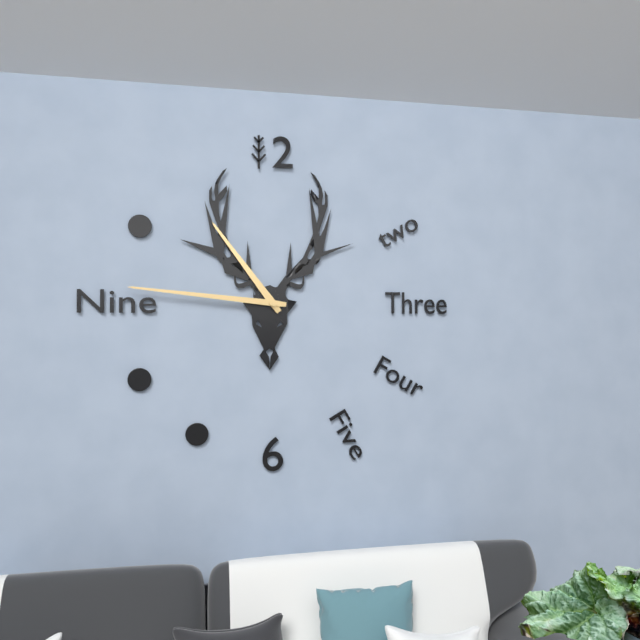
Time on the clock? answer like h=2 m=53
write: h=10 m=46
